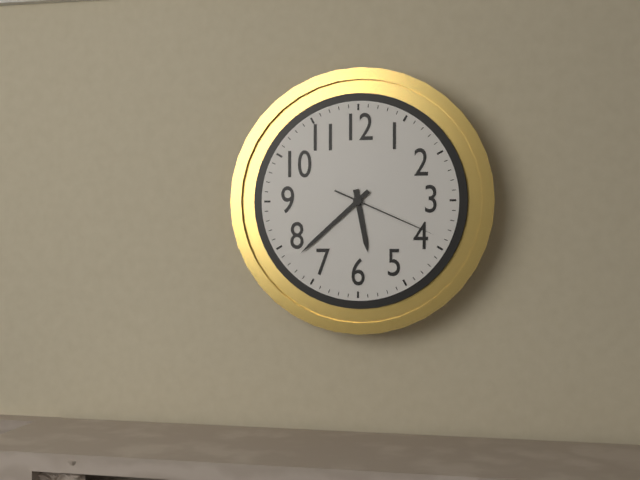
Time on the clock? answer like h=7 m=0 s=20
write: h=5 m=38 s=19
